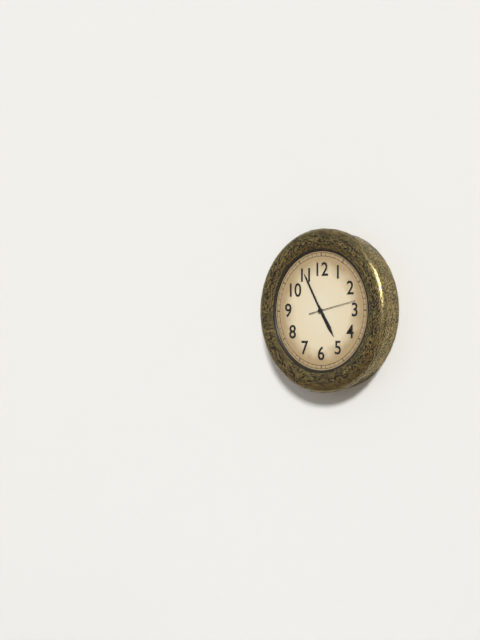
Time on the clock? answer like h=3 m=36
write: h=4 m=55
